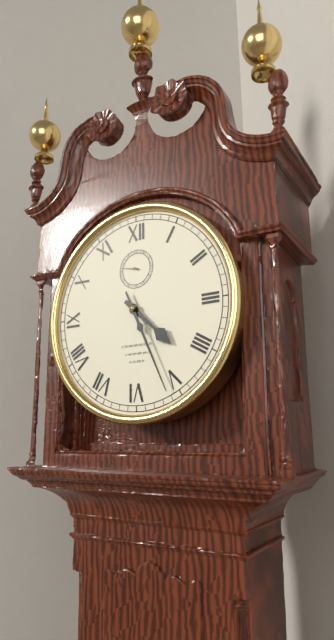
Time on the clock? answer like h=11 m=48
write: h=4 m=26
